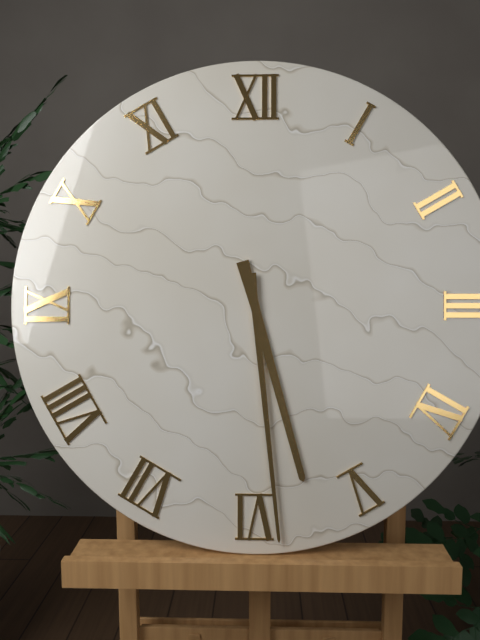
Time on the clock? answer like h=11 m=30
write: h=5 m=29
